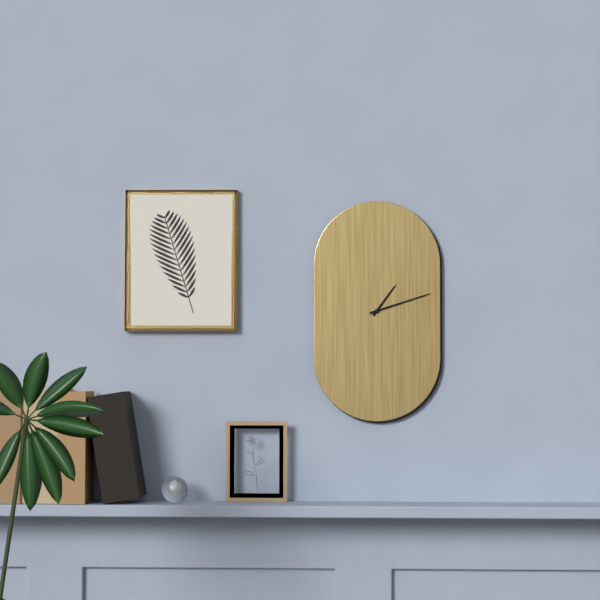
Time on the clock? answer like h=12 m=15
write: h=1 m=12
